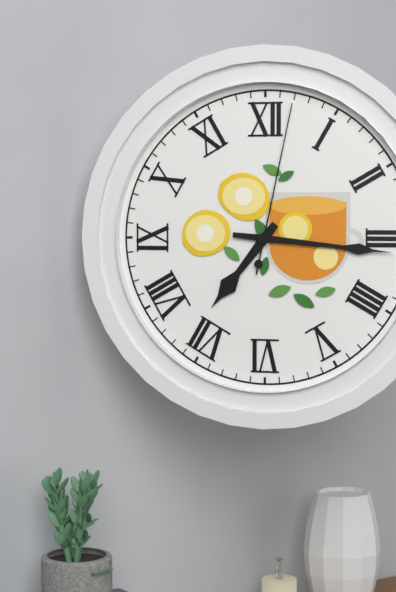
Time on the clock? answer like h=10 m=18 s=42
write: h=7 m=16 s=2
